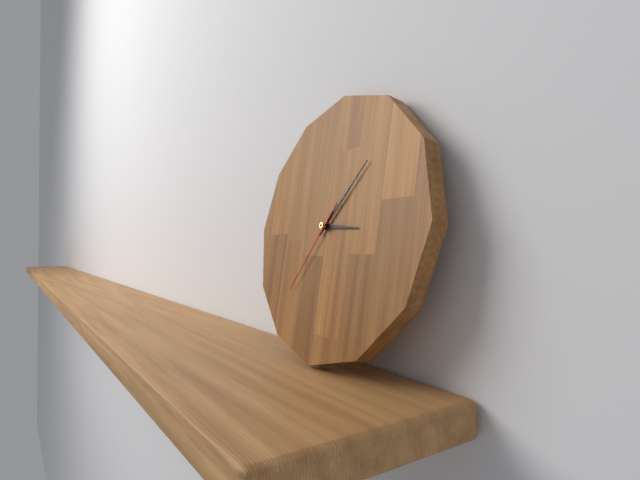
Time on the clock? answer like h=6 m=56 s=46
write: h=3 m=7 s=36
